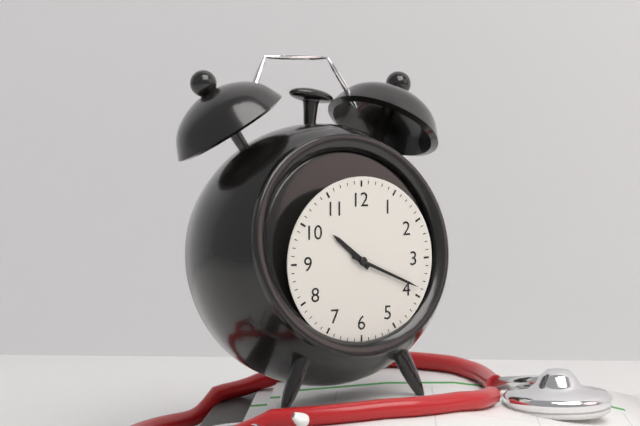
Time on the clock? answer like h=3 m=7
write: h=10 m=19
